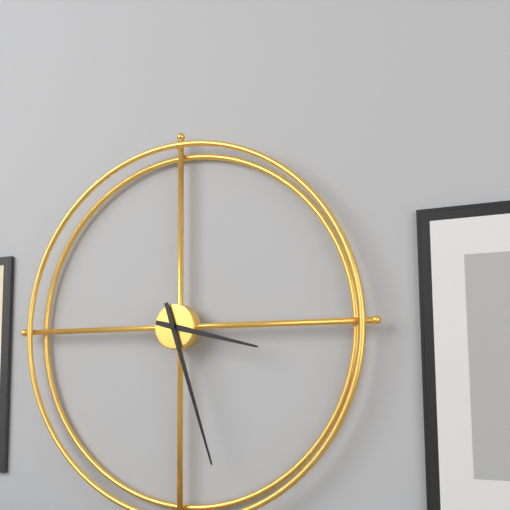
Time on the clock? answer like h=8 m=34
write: h=3 m=27
